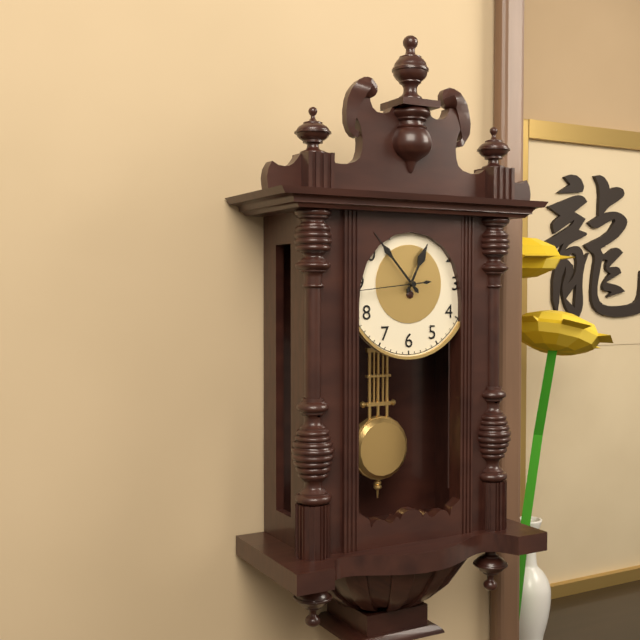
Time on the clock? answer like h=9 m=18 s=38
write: h=12 m=53 s=44
